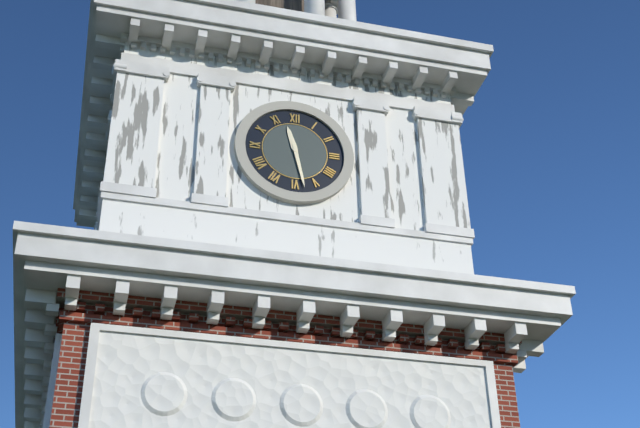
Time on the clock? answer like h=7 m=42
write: h=11 m=28
